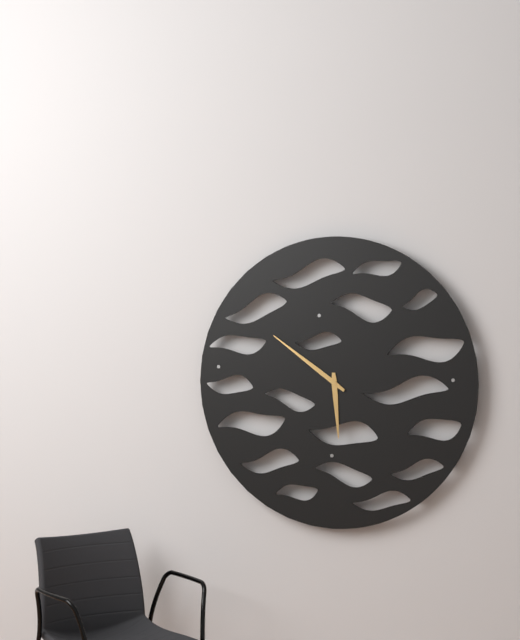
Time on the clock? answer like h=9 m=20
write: h=5 m=51
